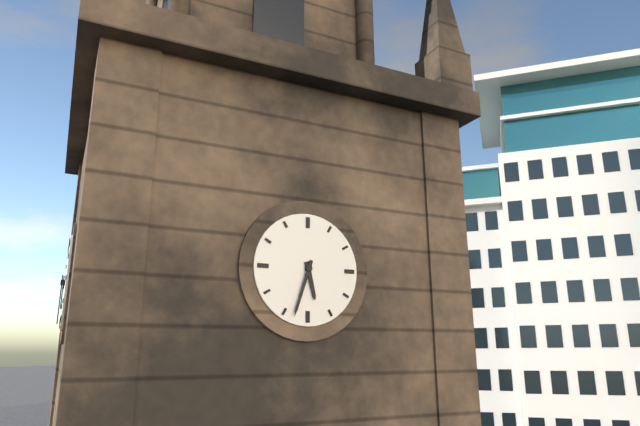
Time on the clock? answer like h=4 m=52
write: h=5 m=33
